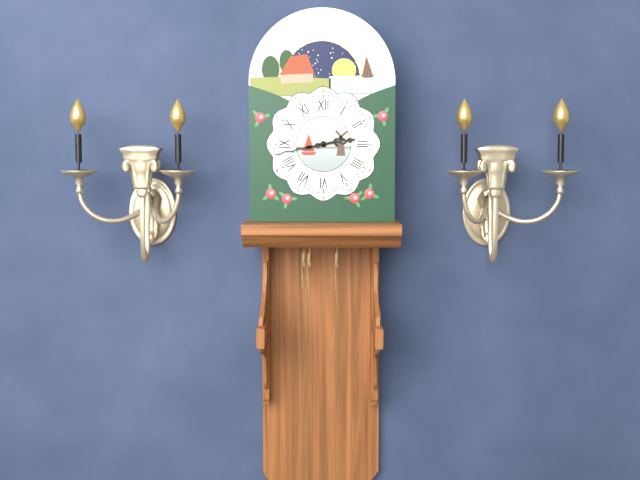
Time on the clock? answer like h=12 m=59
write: h=2 m=43
